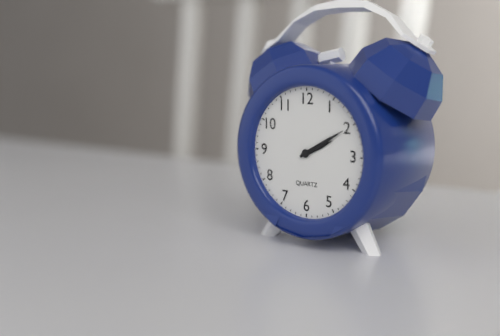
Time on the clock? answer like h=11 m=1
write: h=2 m=10
